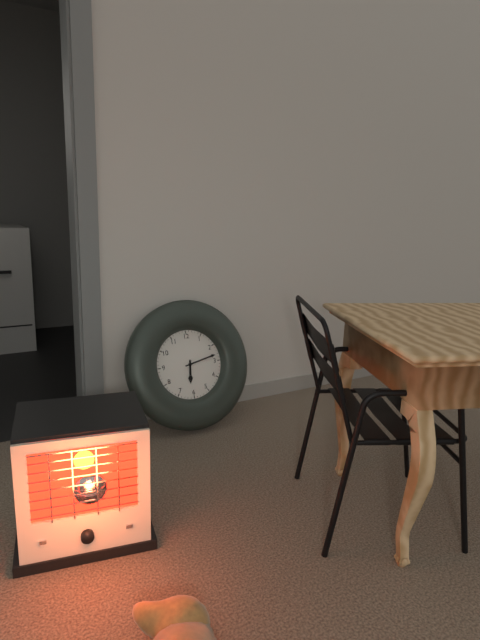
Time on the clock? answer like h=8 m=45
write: h=6 m=13
